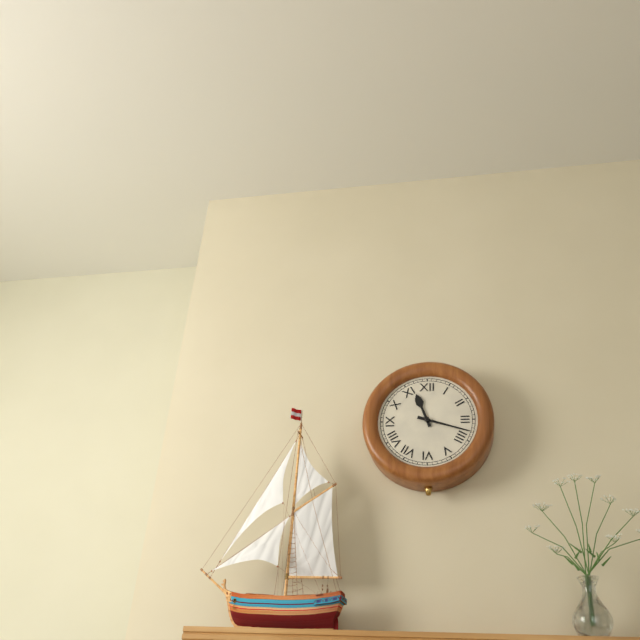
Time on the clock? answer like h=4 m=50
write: h=11 m=18
